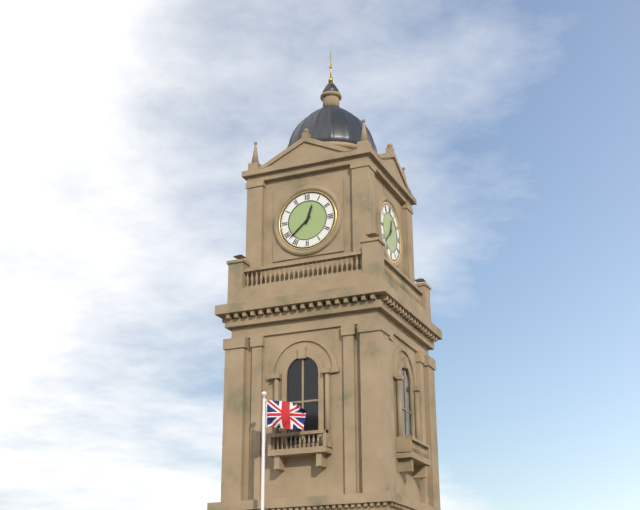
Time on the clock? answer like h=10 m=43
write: h=12 m=38
